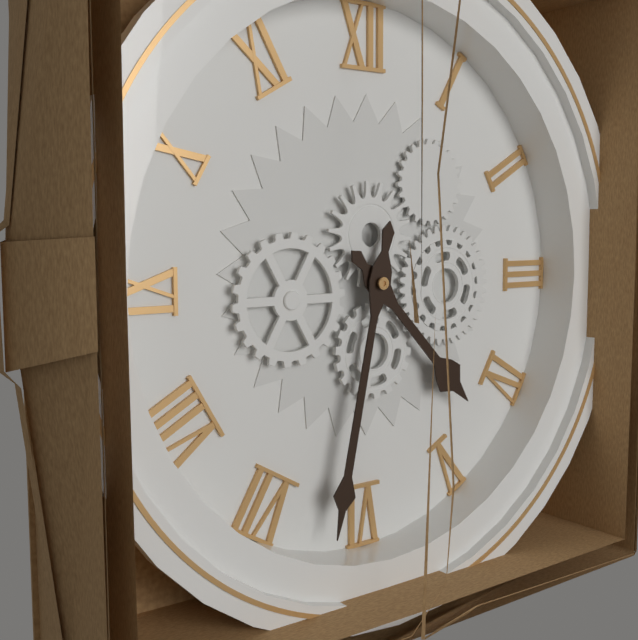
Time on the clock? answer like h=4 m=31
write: h=4 m=32
